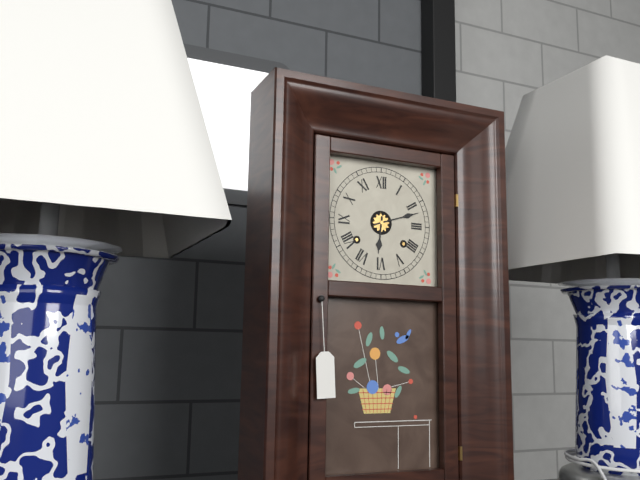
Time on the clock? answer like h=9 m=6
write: h=6 m=12
